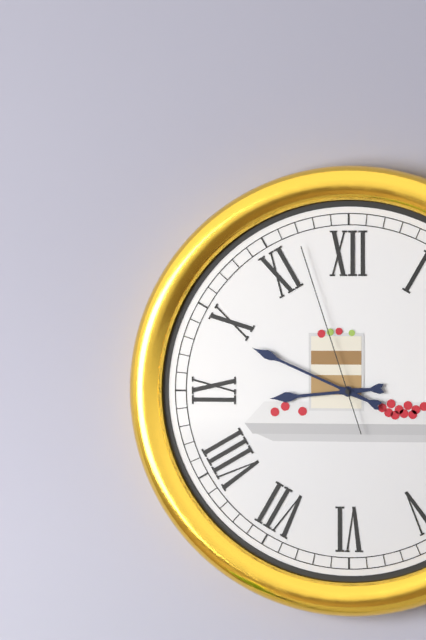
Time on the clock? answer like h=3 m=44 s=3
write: h=8 m=49 s=57
